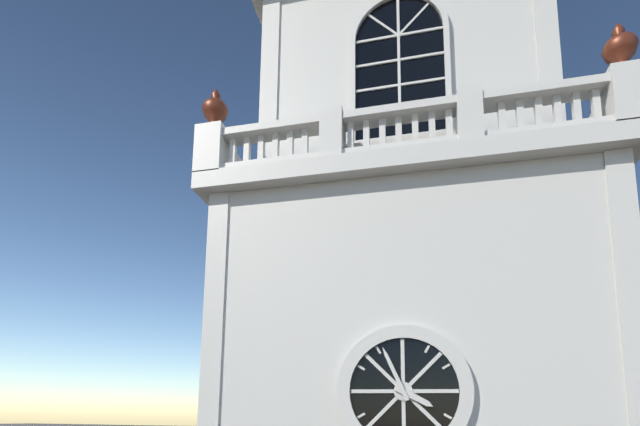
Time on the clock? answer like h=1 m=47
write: h=3 m=56
